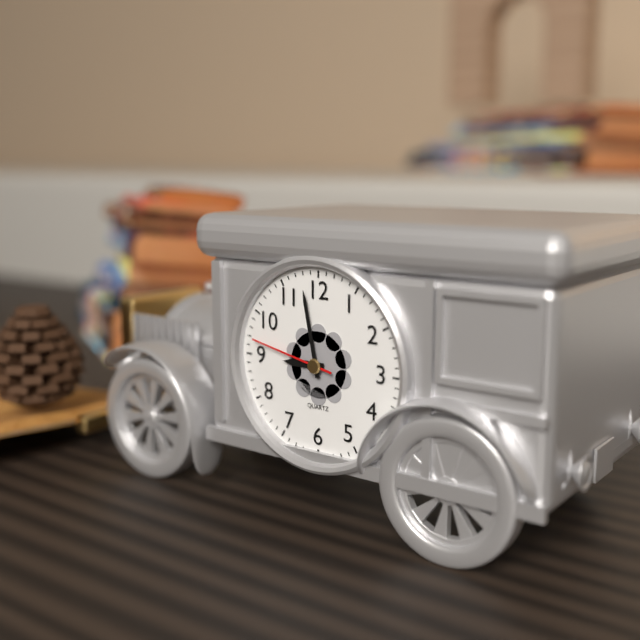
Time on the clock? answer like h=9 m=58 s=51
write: h=8 m=58 s=47
